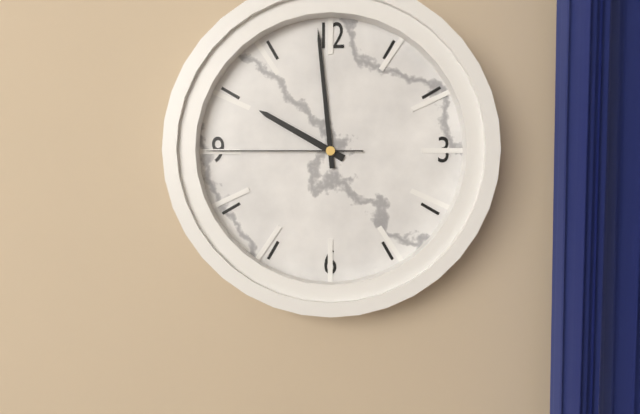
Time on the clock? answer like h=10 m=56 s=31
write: h=9 m=59 s=45
